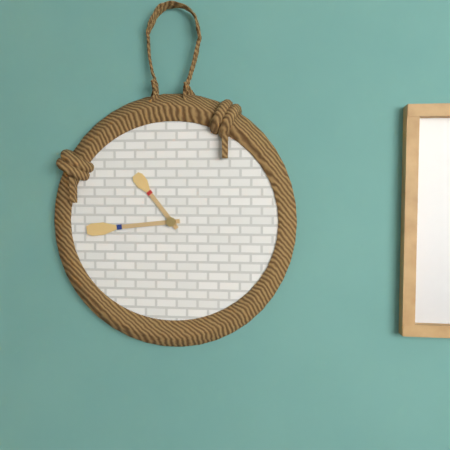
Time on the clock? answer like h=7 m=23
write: h=10 m=44
